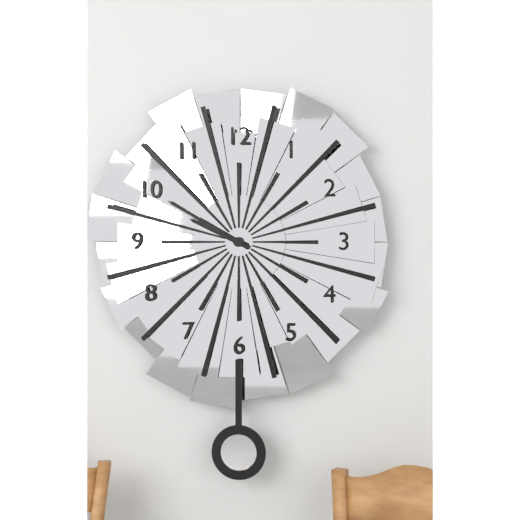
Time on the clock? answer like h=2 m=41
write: h=9 m=50
